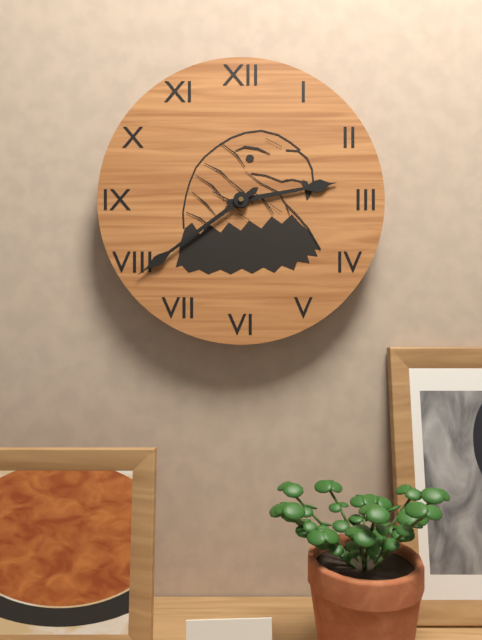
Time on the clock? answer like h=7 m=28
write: h=2 m=39
